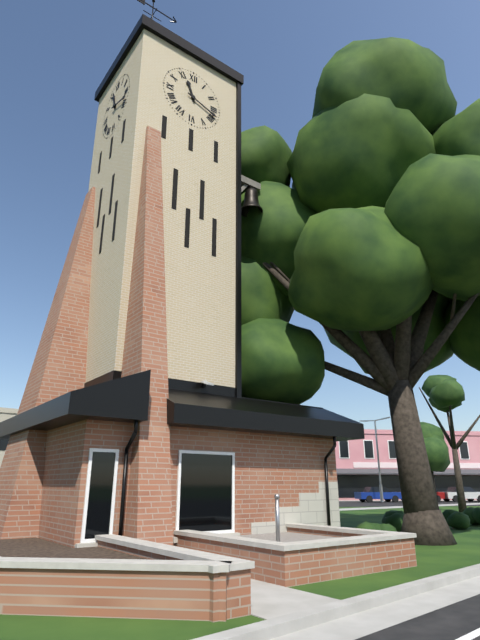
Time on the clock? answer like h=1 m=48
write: h=11 m=18
